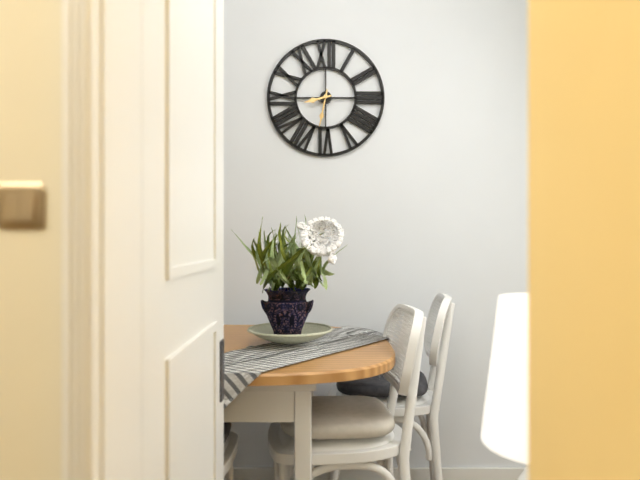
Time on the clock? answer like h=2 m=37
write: h=8 m=32
